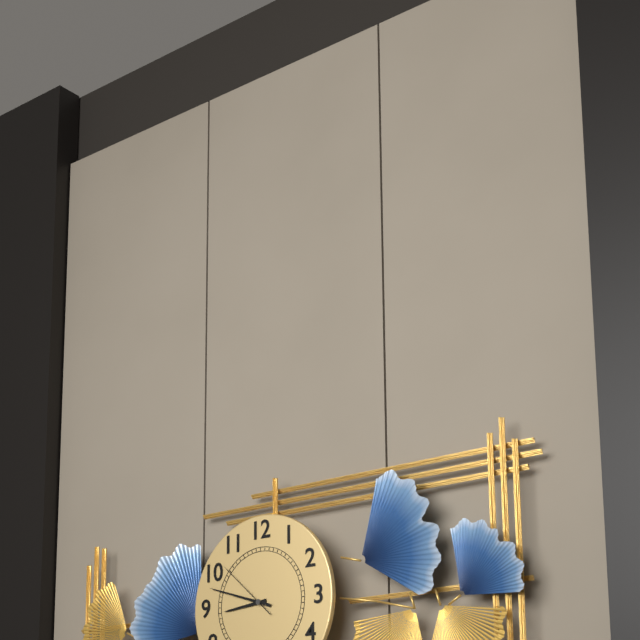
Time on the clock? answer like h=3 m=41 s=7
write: h=8 m=48 s=52
